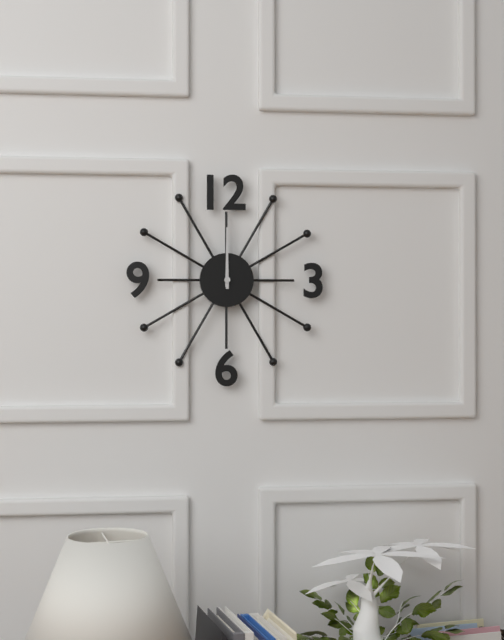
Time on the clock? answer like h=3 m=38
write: h=12 m=0
